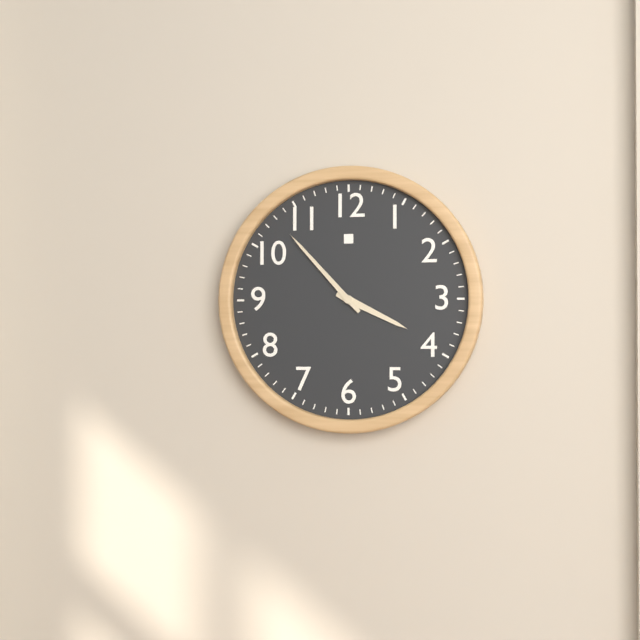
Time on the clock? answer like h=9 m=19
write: h=3 m=53
